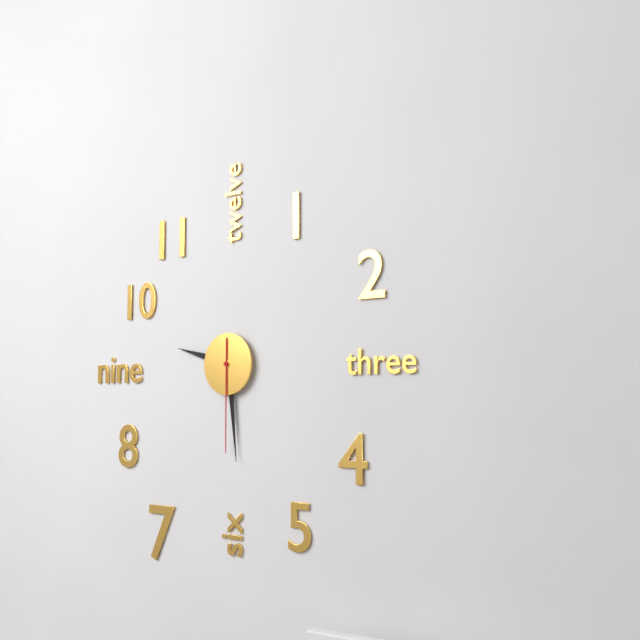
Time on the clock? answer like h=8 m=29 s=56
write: h=9 m=29 s=30
